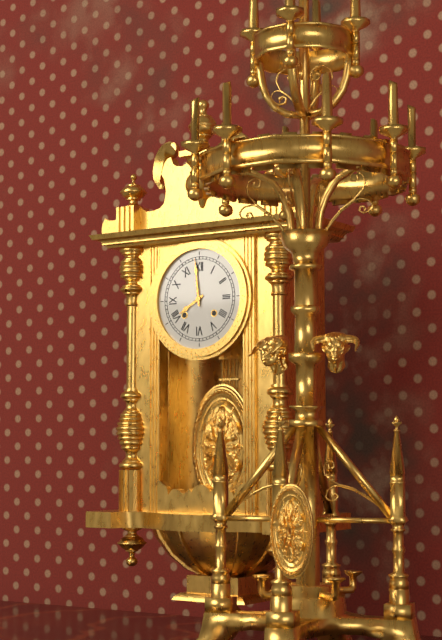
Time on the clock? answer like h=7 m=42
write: h=7 m=59
